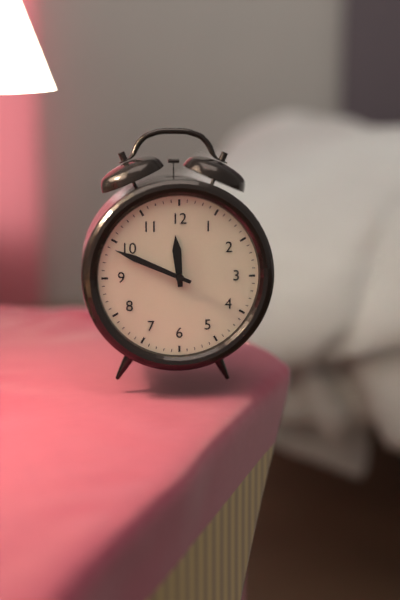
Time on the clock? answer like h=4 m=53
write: h=11 m=49
